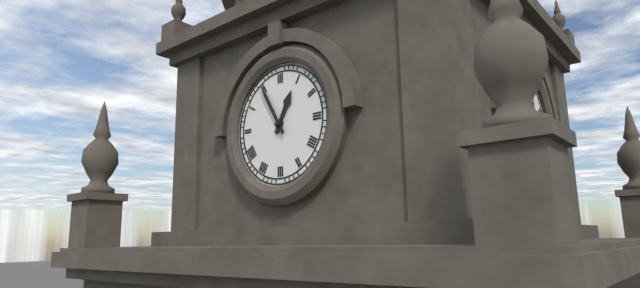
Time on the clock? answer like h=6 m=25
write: h=12 m=55
